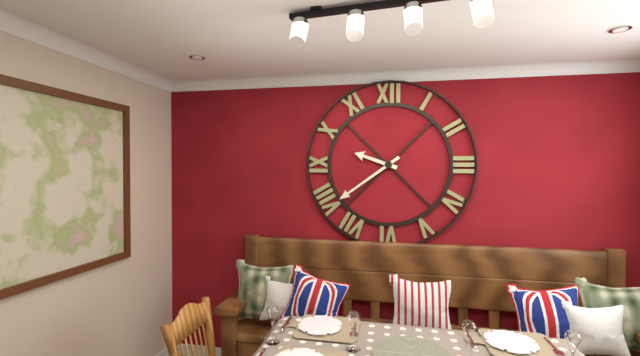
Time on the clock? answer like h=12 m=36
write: h=9 m=39
